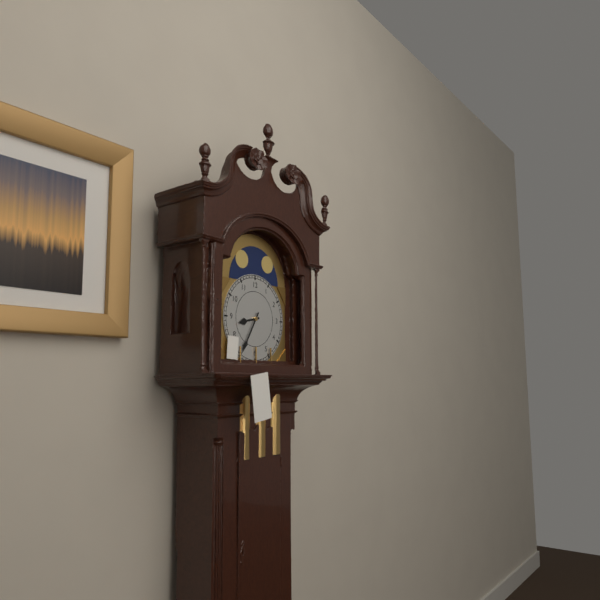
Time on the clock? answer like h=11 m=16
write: h=8 m=35
